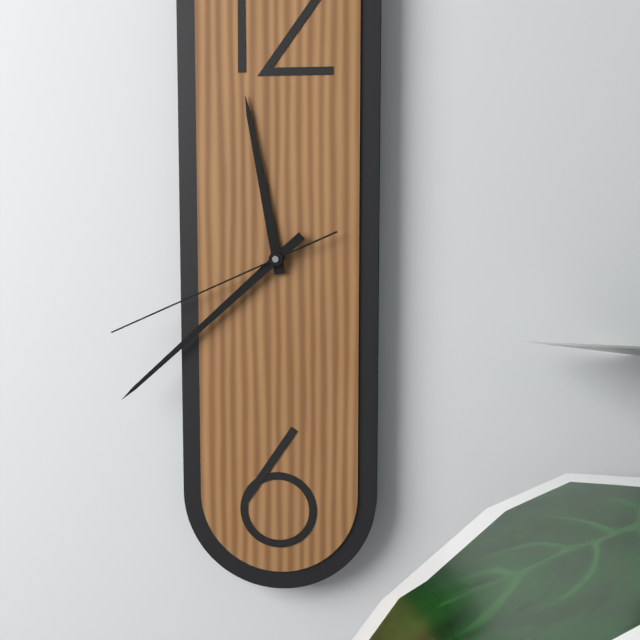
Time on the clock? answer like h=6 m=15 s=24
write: h=11 m=38 s=41
